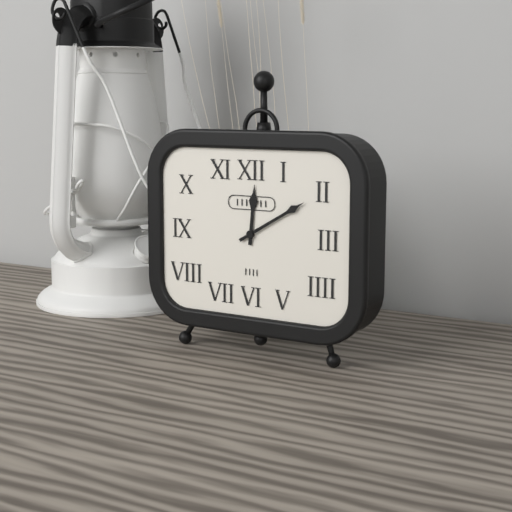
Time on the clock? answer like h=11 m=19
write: h=12 m=10
